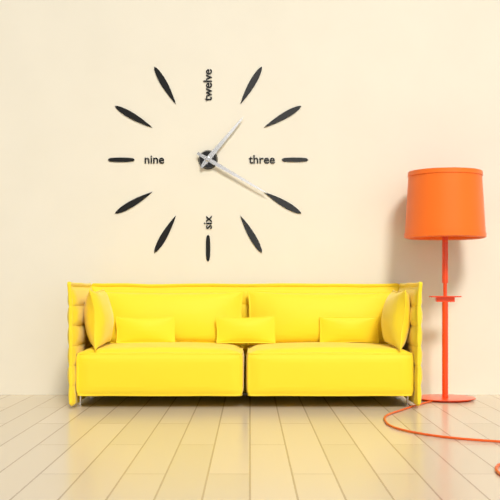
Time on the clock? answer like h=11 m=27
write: h=1 m=20
